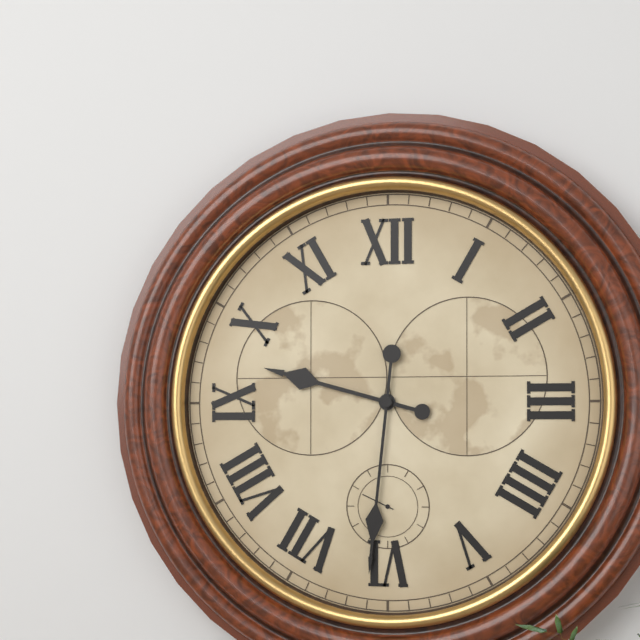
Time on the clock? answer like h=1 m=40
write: h=9 m=31
